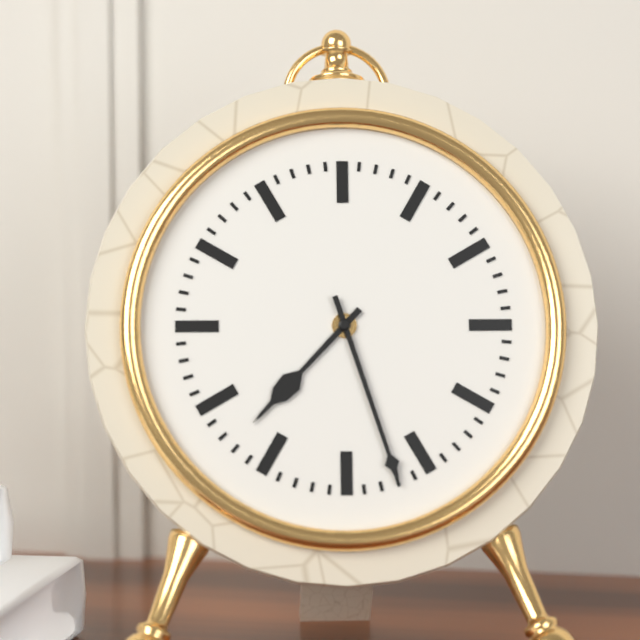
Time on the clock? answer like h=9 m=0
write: h=7 m=27
